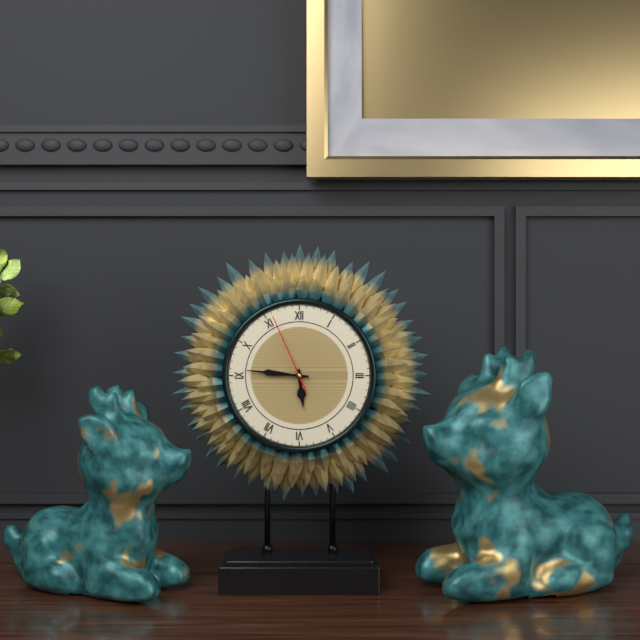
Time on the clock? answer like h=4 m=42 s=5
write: h=5 m=46 s=56
